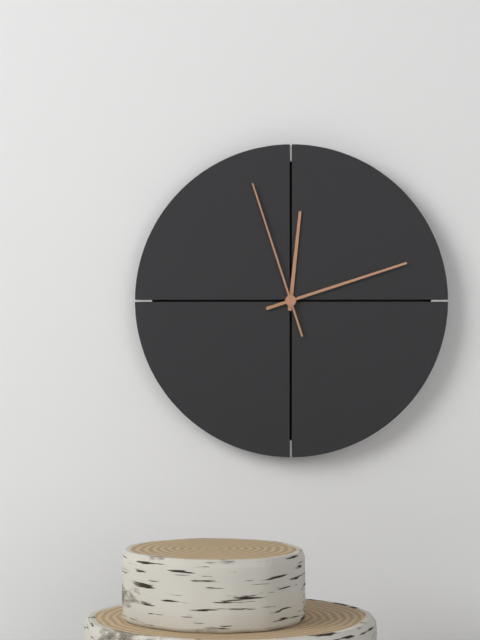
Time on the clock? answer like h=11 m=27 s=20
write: h=12 m=12 s=57
